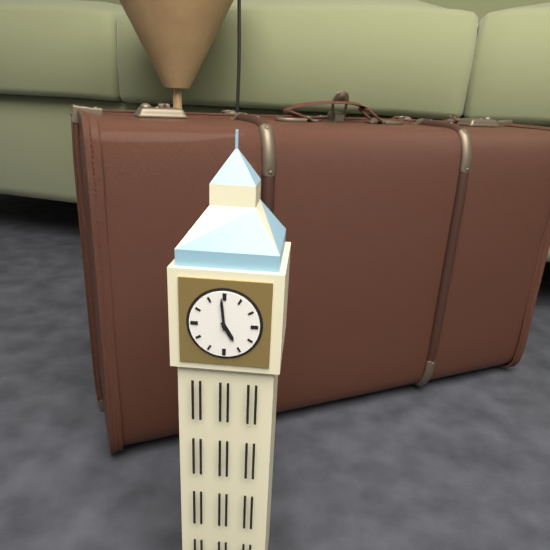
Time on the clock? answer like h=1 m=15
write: h=4 m=59
